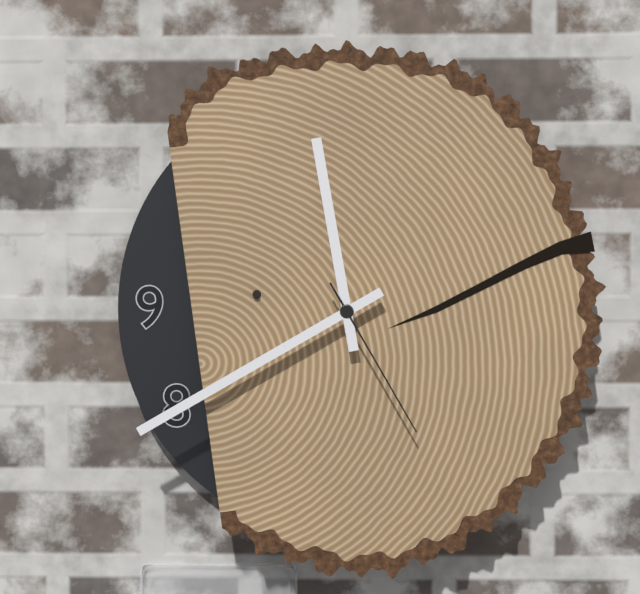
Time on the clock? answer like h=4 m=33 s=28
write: h=11 m=40 s=25
